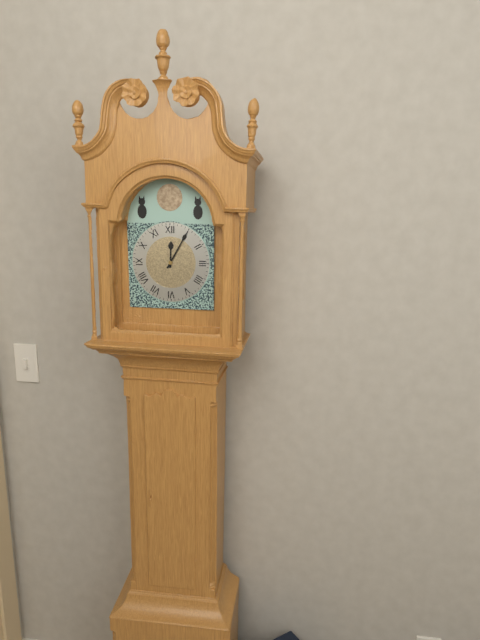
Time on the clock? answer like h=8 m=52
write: h=12 m=5
